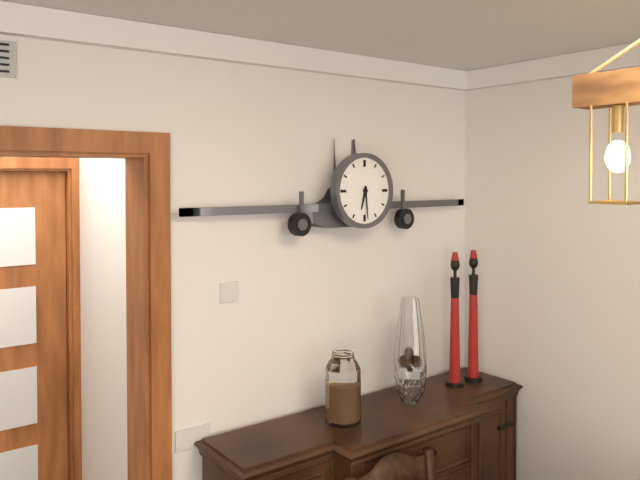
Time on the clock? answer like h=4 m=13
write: h=6 m=29
